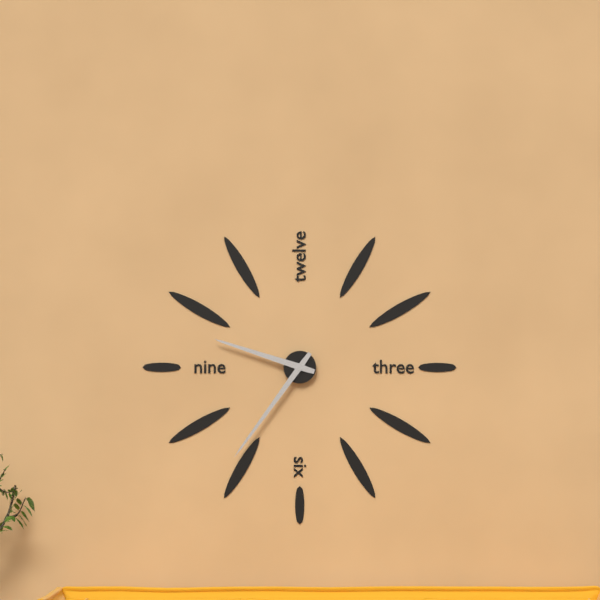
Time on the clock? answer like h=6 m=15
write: h=9 m=36
